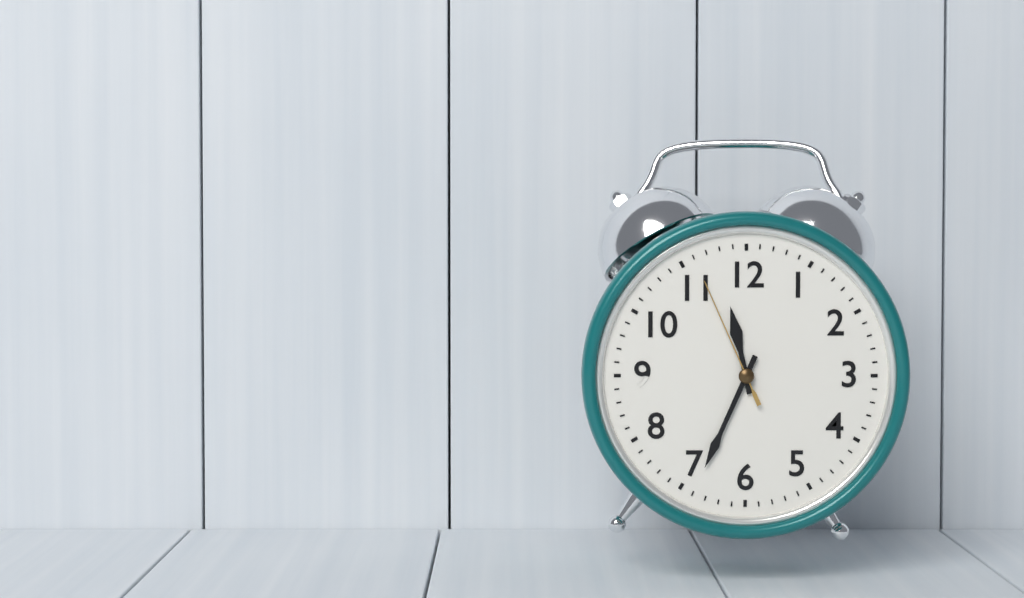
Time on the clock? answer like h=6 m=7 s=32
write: h=11 m=34 s=56
